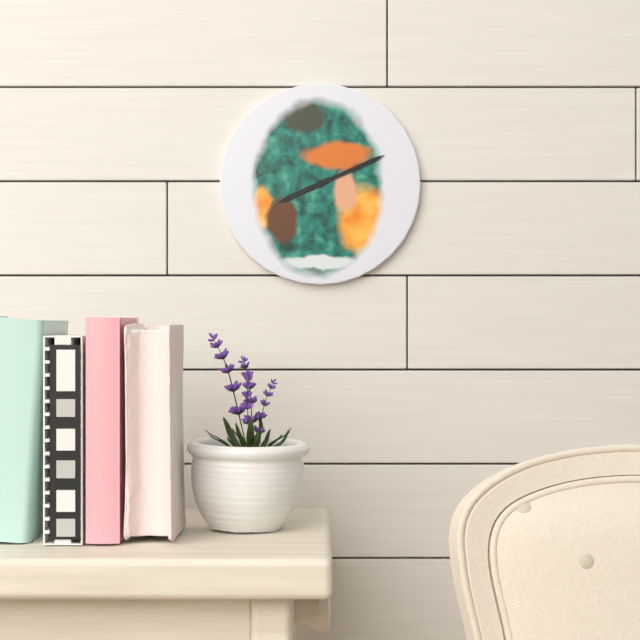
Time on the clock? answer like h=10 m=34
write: h=8 m=11
